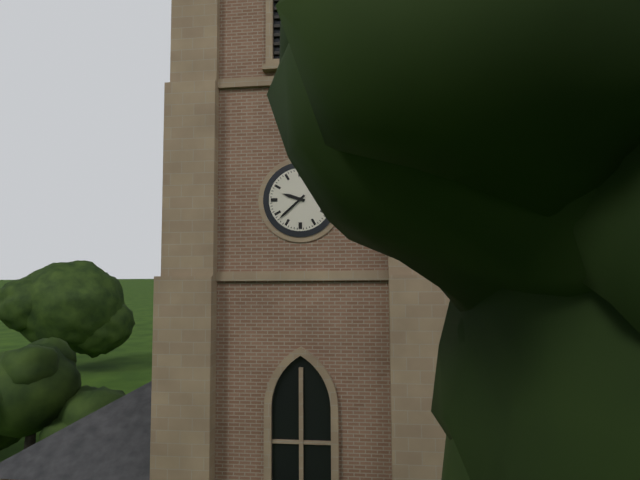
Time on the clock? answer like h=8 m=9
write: h=9 m=38
